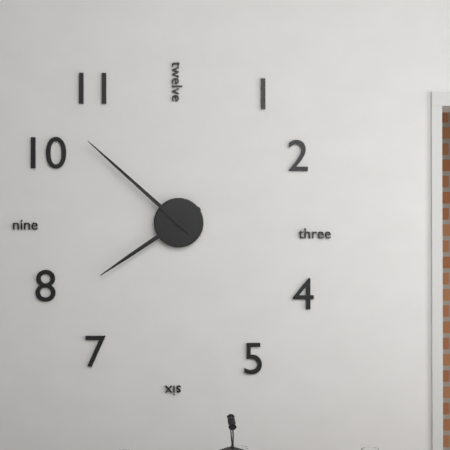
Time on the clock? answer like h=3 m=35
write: h=7 m=52
